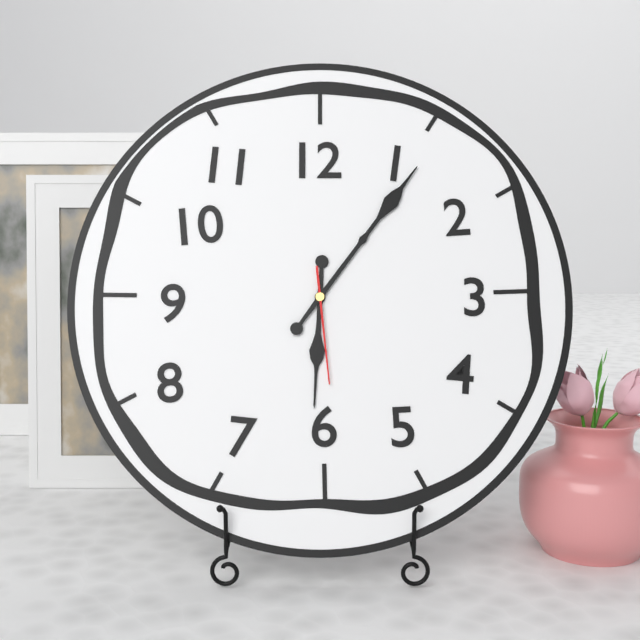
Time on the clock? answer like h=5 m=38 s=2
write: h=6 m=6 s=29
